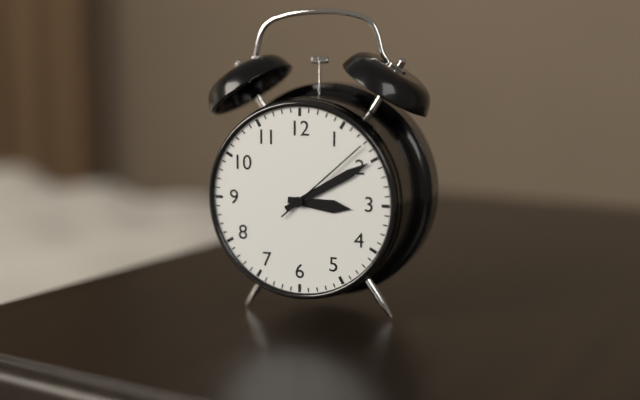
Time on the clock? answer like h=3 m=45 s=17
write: h=3 m=10 s=8
